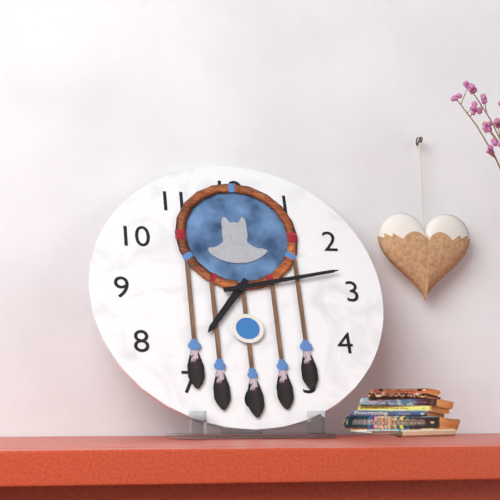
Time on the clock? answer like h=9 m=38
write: h=7 m=13
